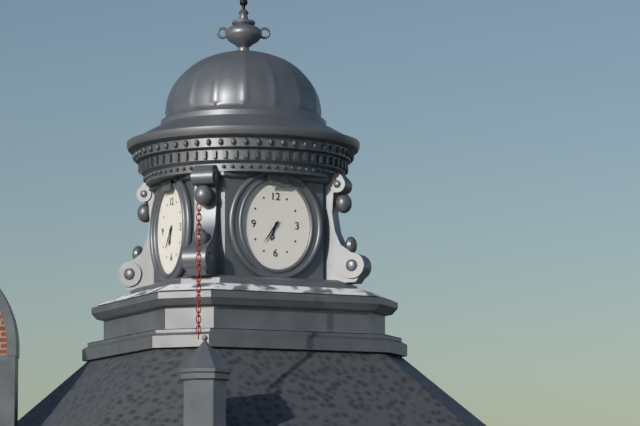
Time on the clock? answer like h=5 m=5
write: h=6 m=36
